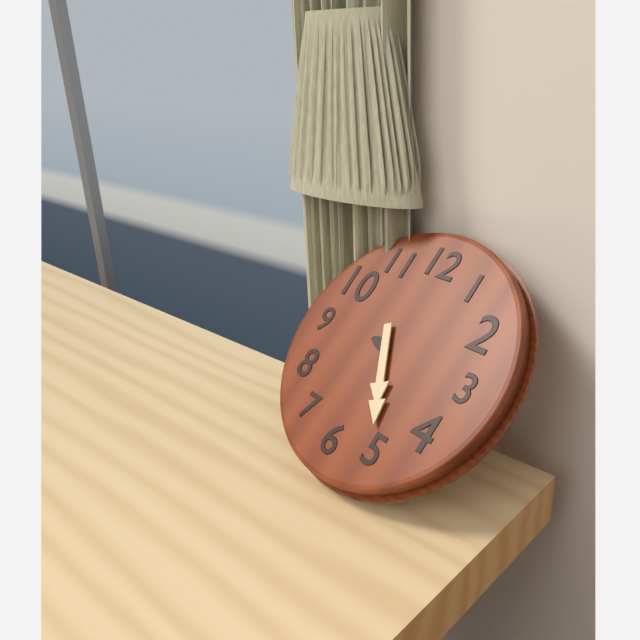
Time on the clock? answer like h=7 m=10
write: h=9 m=25
